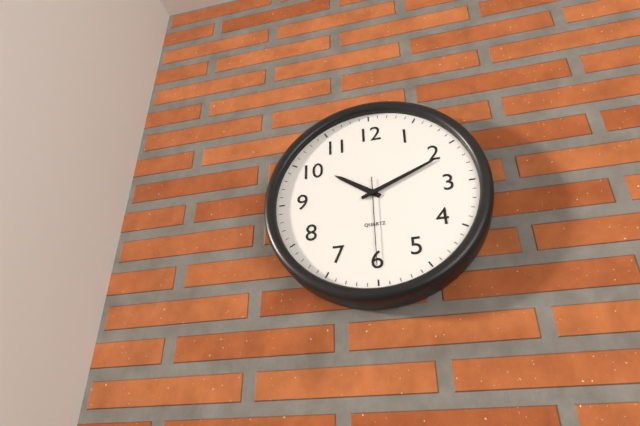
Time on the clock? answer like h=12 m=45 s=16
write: h=10 m=11 s=30
